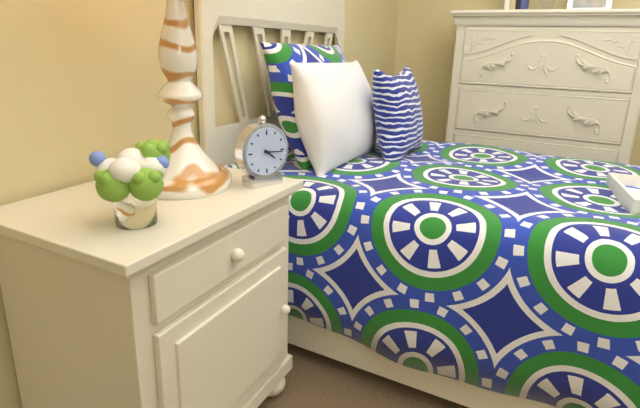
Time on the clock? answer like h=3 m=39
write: h=4 m=16
